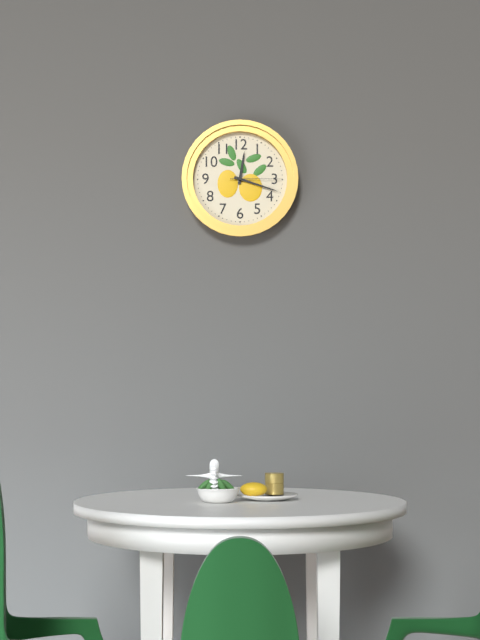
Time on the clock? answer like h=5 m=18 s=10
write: h=12 m=18 s=15
